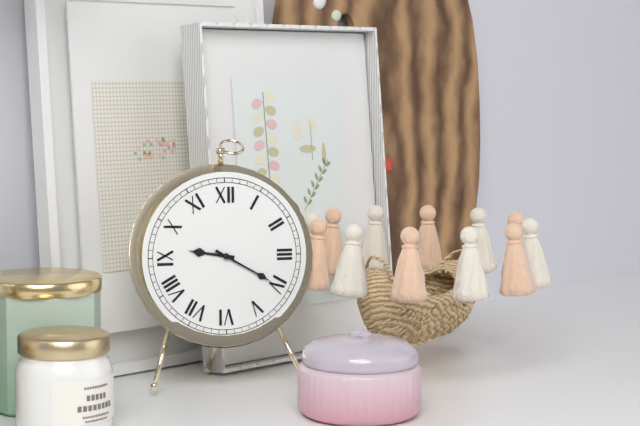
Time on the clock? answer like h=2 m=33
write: h=9 m=20
